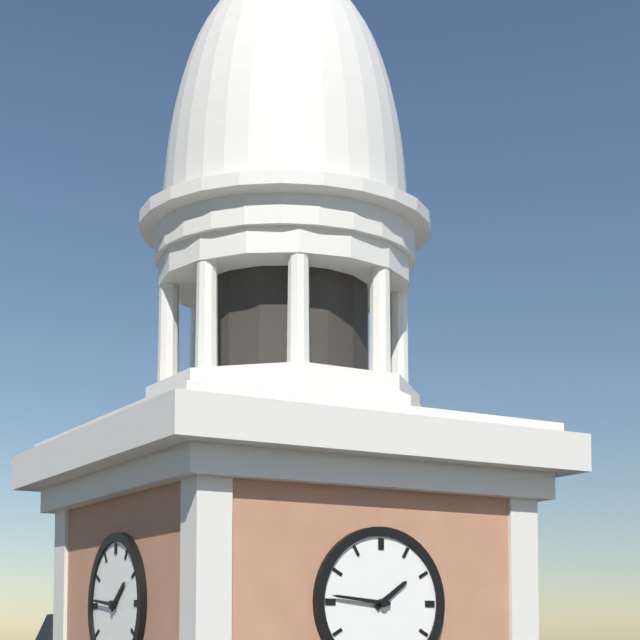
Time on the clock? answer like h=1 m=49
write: h=1 m=46
